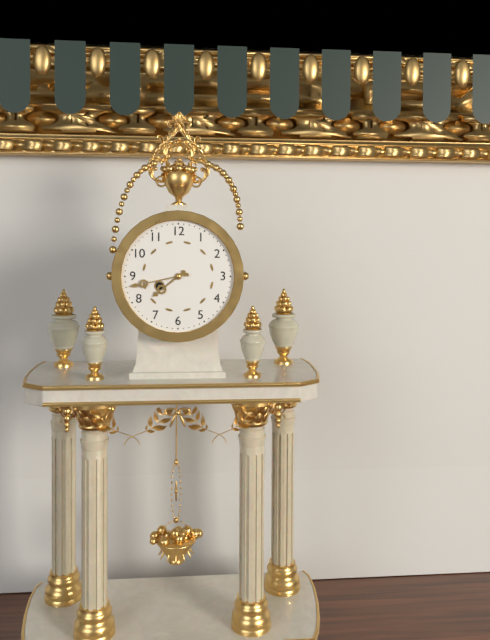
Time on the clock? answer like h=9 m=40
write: h=7 m=43
